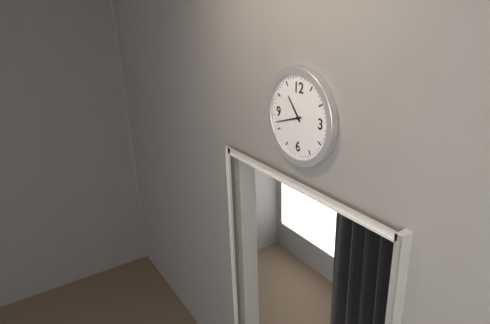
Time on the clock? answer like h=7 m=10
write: h=10 m=42
